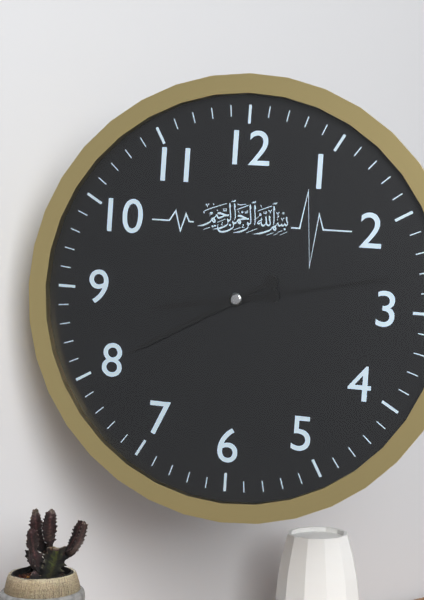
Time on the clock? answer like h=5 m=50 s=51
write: h=8 m=40 s=13
